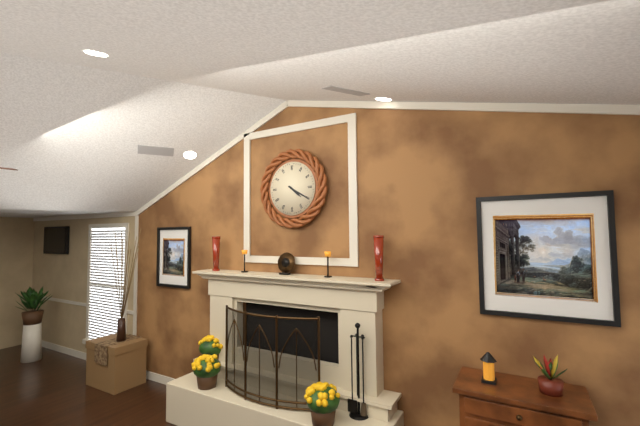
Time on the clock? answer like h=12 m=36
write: h=4 m=20
